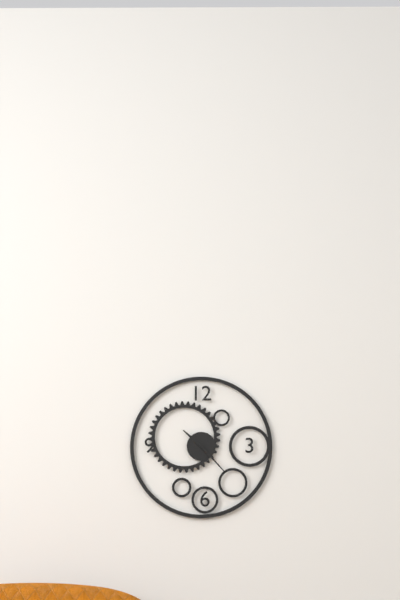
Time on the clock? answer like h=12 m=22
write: h=10 m=23
